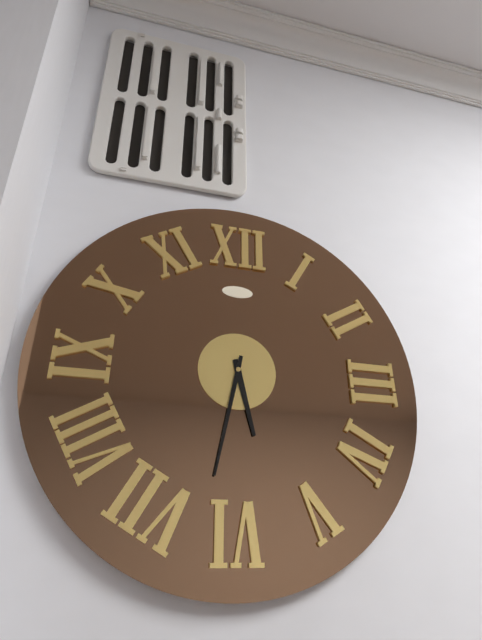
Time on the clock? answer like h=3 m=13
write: h=5 m=32
